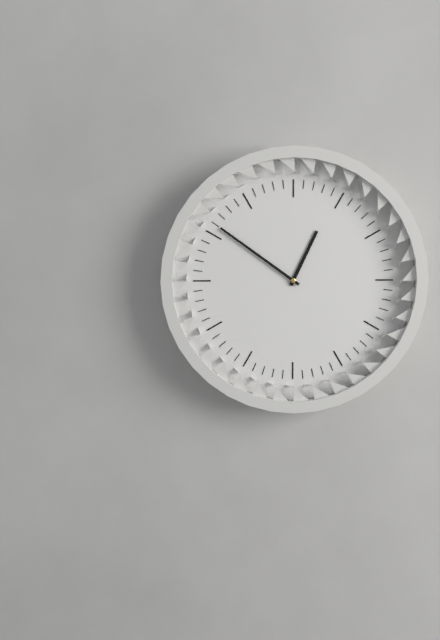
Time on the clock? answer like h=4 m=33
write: h=12 m=51
